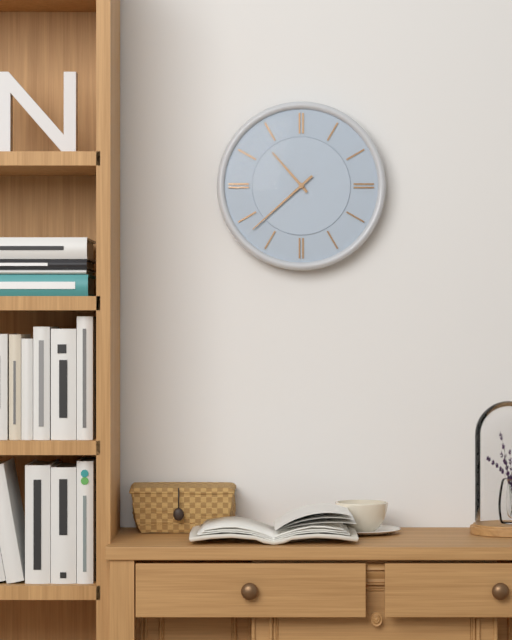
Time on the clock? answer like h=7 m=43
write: h=10 m=38
